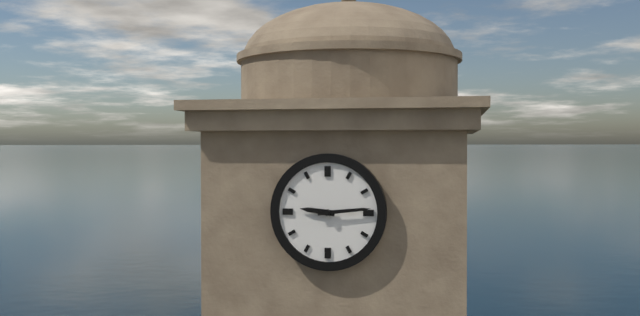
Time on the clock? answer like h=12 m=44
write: h=9 m=14
